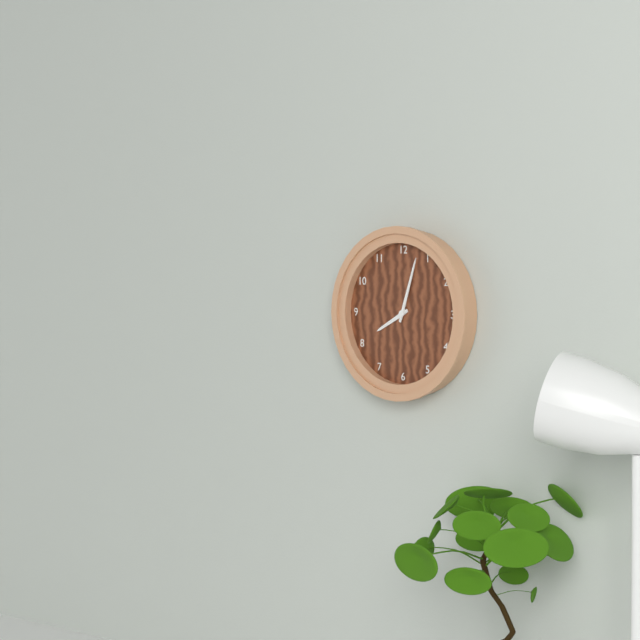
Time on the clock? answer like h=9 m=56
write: h=8 m=3
